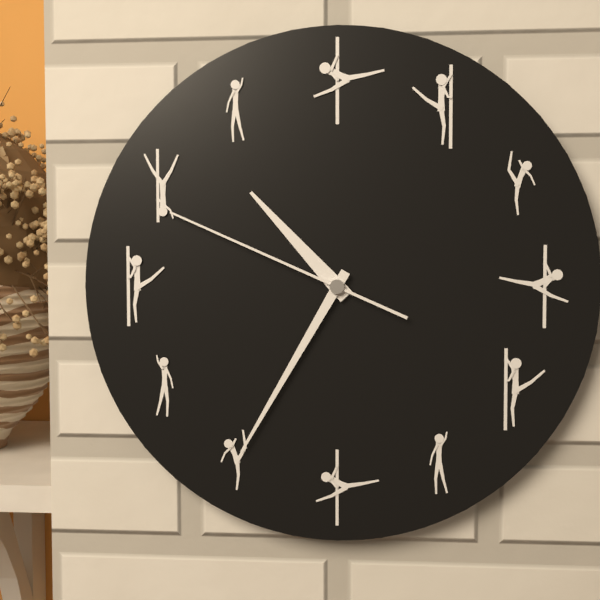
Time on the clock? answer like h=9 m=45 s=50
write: h=10 m=35 s=49
